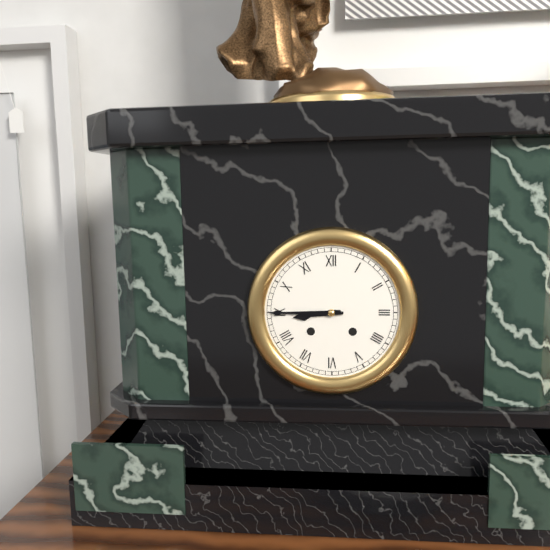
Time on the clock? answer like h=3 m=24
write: h=8 m=45
